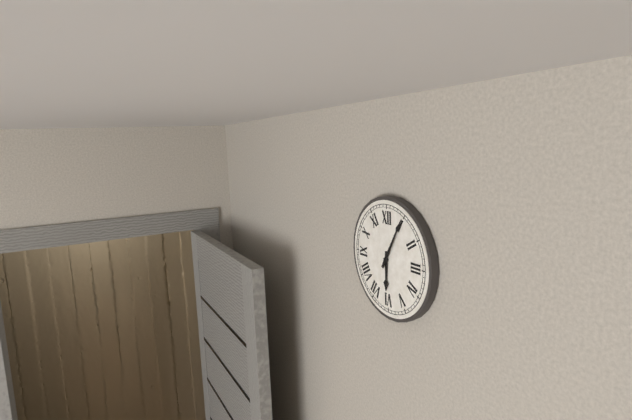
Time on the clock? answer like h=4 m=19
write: h=6 m=5
